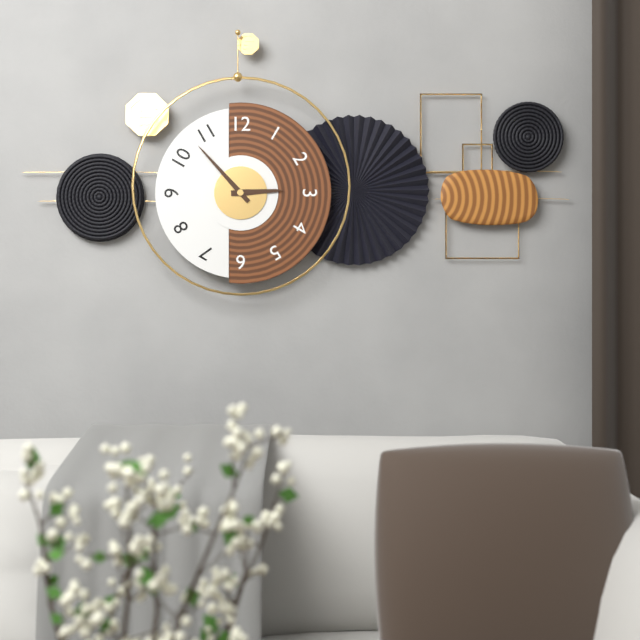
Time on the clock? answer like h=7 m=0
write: h=2 m=53
